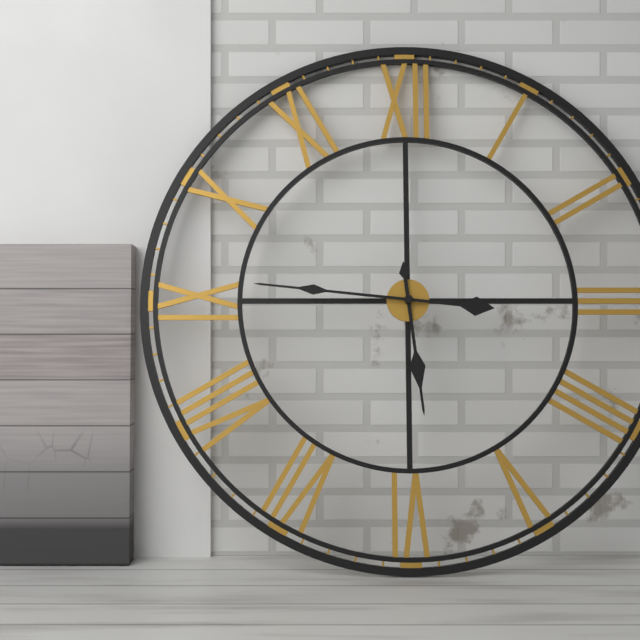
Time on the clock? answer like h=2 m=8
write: h=5 m=46
